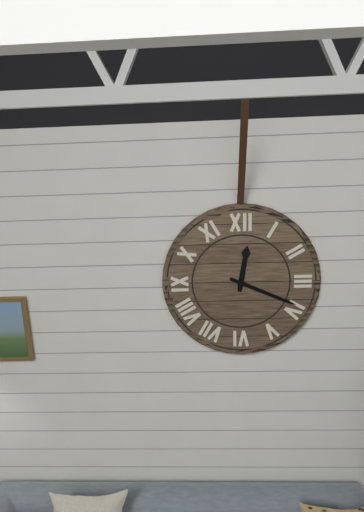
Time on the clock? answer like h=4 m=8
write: h=12 m=19
